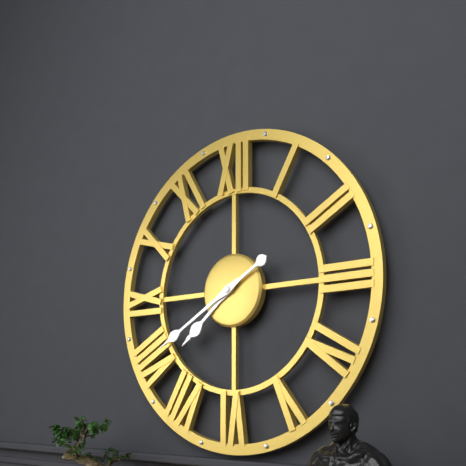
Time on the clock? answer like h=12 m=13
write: h=7 m=40
